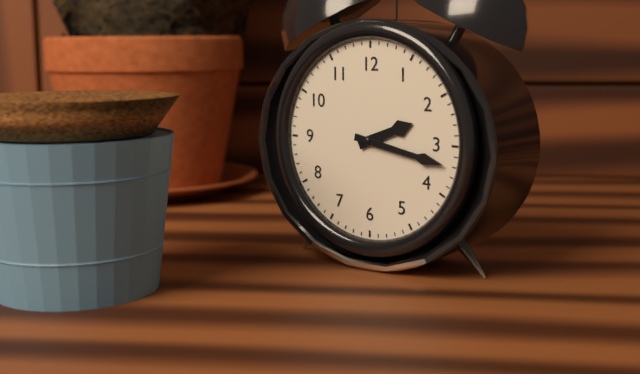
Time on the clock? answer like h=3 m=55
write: h=2 m=17
